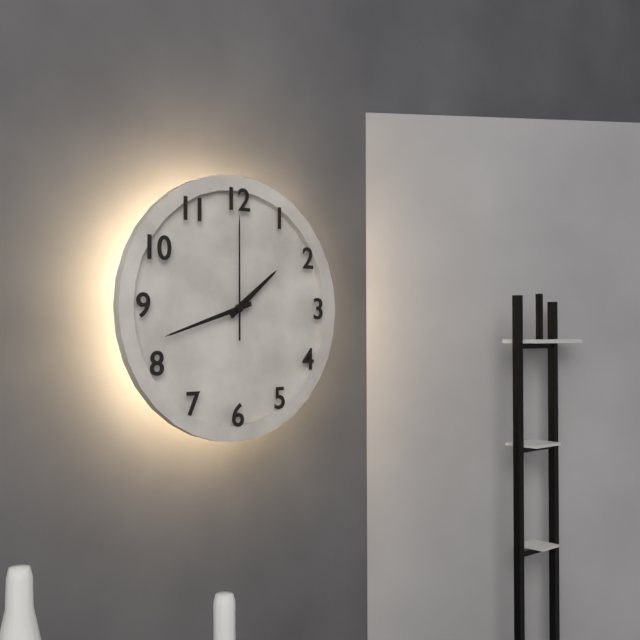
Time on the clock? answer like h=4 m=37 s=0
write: h=1 m=42 s=0
